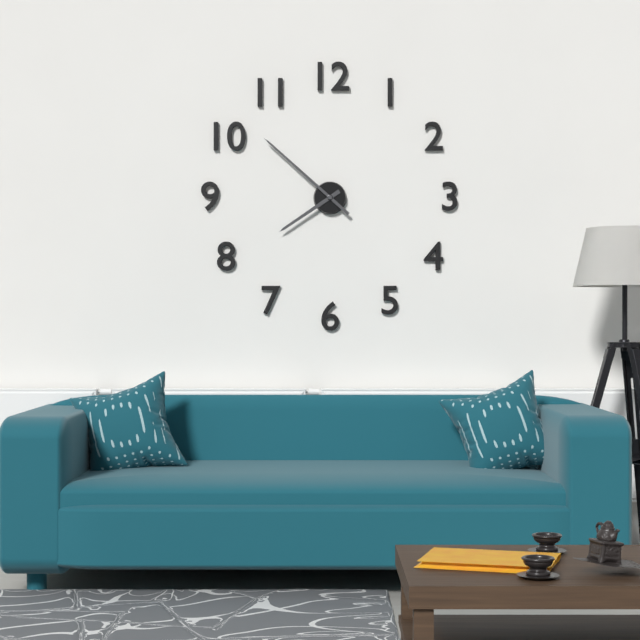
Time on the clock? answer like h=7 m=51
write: h=7 m=52
